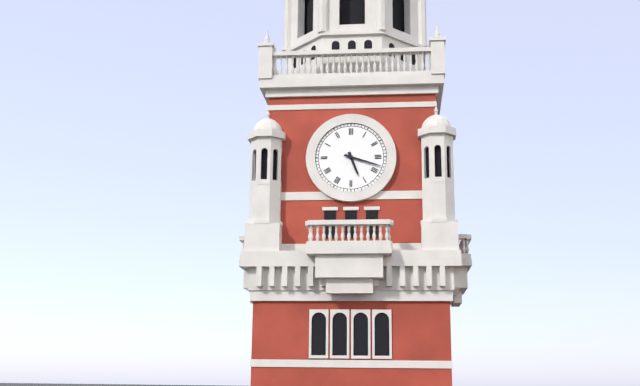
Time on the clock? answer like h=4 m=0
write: h=5 m=18
